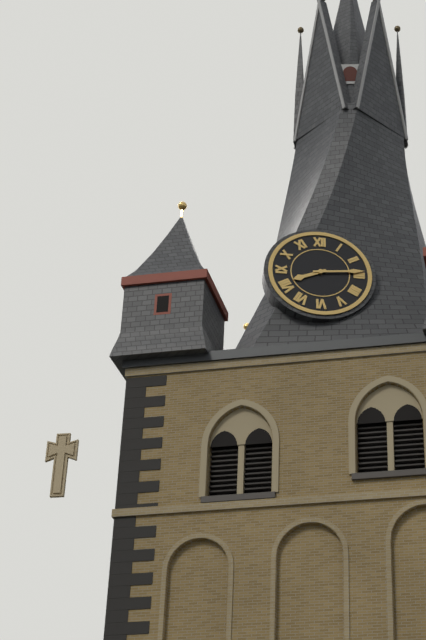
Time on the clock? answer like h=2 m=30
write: h=8 m=14
